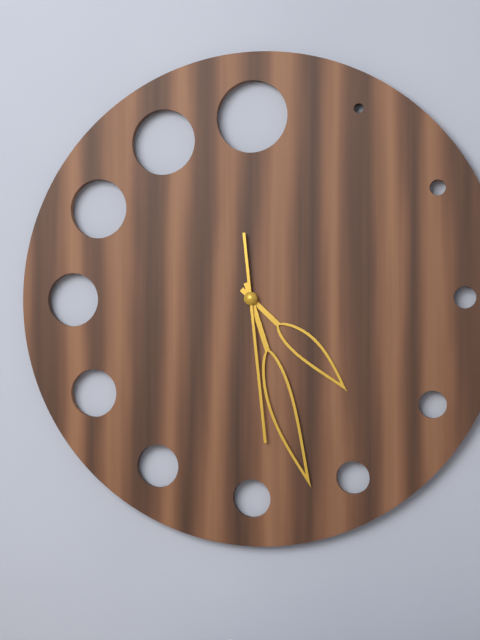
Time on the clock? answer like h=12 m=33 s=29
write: h=4 m=27 s=29
